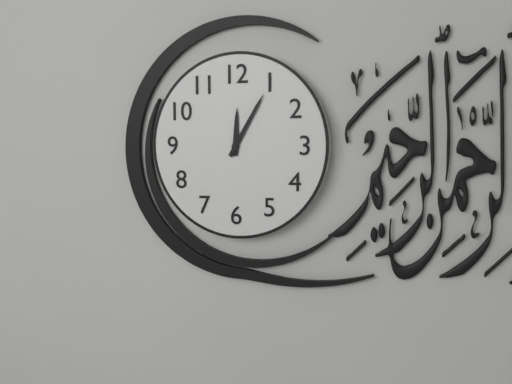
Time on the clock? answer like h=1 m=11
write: h=12 m=5
